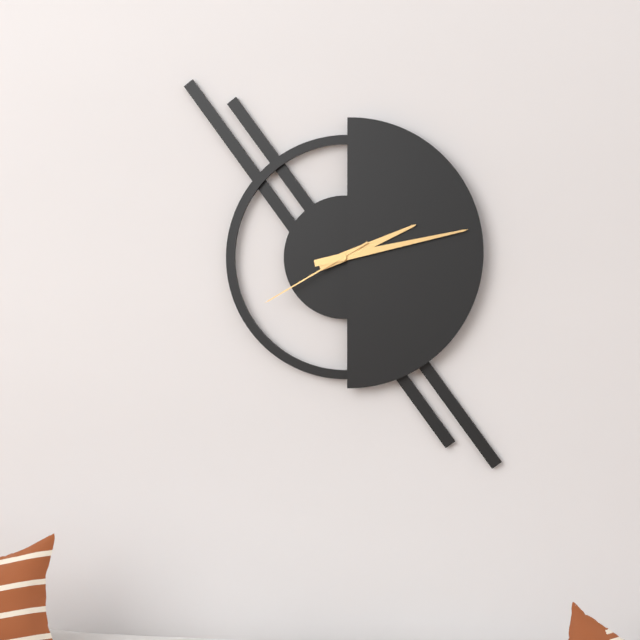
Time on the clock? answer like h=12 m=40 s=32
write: h=2 m=13 s=40
